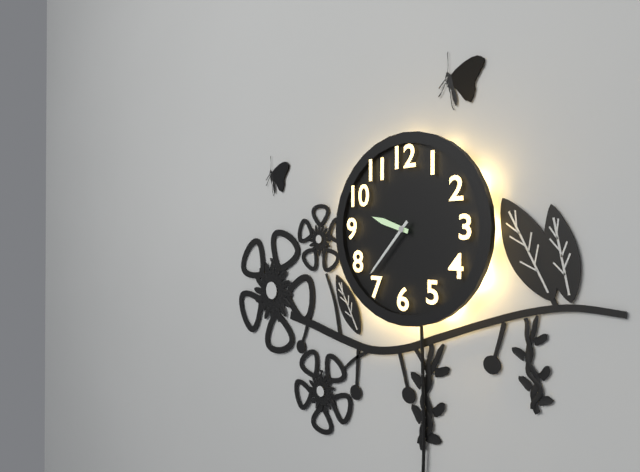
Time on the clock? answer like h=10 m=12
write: h=9 m=37
